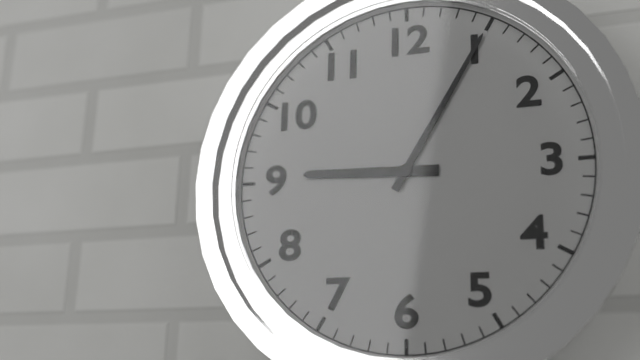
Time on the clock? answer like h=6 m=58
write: h=9 m=5
